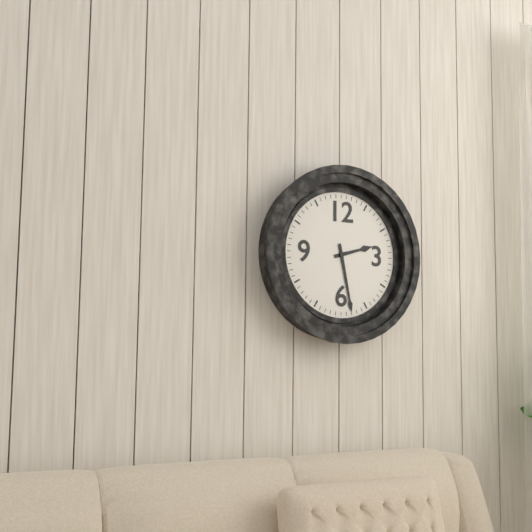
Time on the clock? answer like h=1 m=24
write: h=2 m=28
